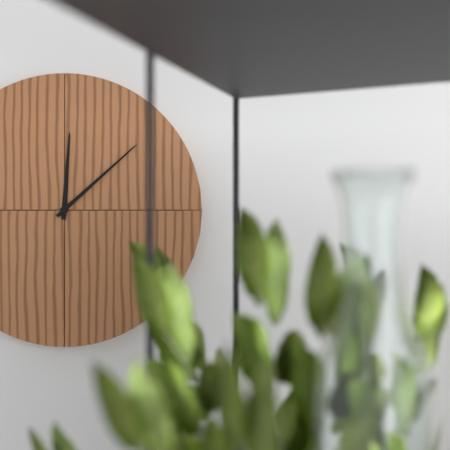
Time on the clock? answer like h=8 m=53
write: h=12 m=8
